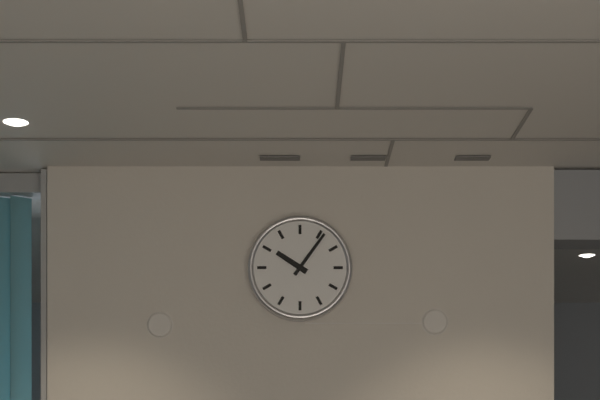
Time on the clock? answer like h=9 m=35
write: h=10 m=6
